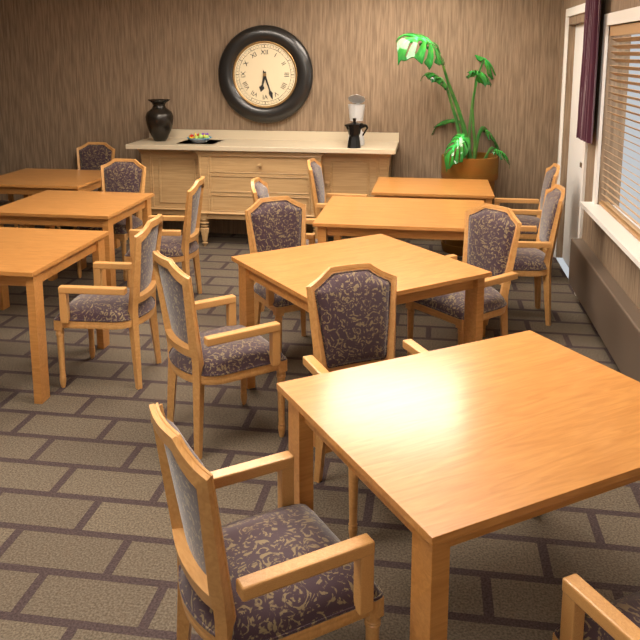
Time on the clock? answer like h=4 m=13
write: h=6 m=27
